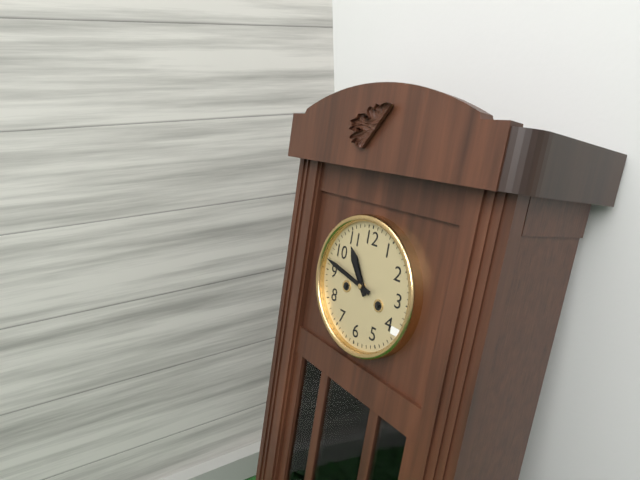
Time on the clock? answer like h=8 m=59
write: h=10 m=47
